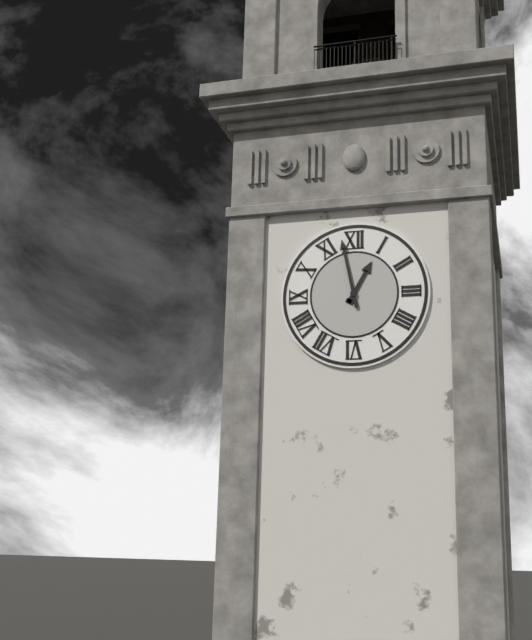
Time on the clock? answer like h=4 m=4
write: h=12 m=58
